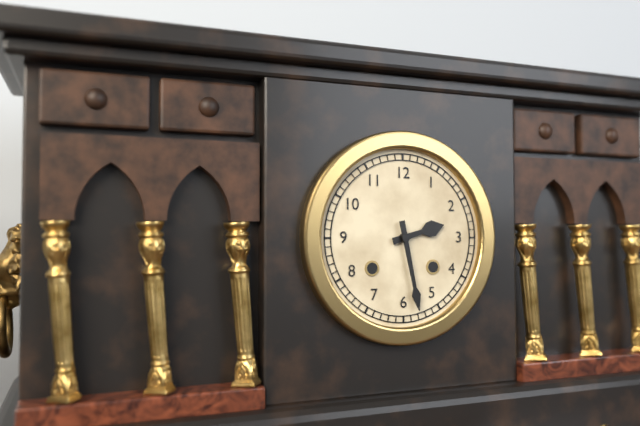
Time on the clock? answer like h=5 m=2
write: h=2 m=28
